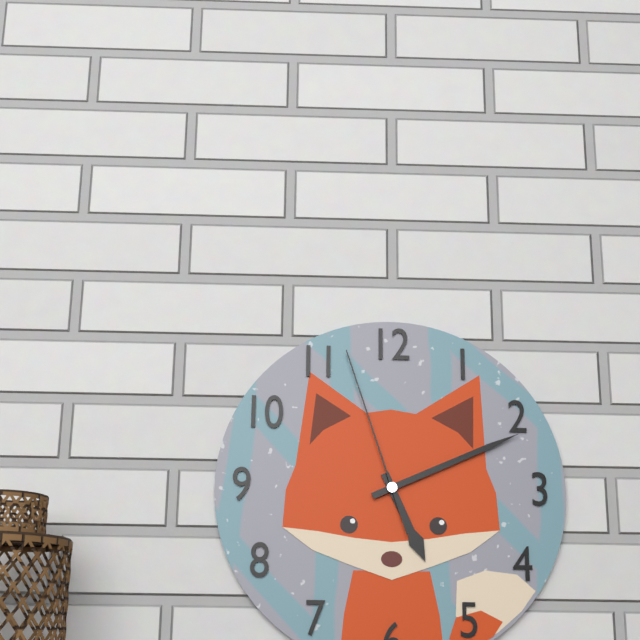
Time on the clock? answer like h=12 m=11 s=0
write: h=5 m=11 s=57
